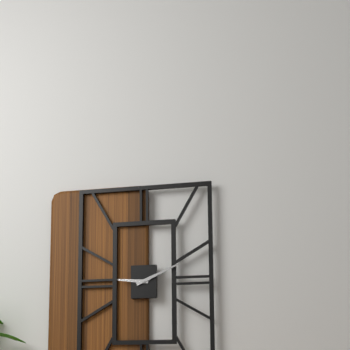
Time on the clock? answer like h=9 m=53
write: h=9 m=11
